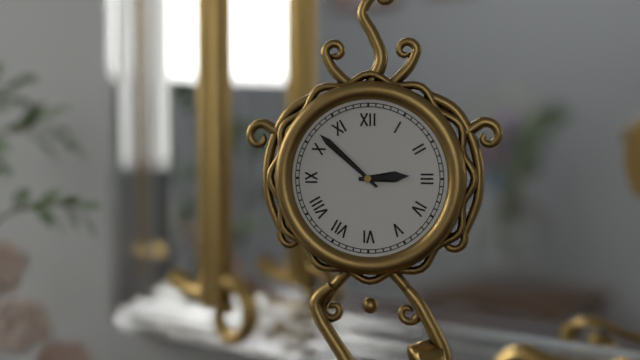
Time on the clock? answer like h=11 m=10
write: h=2 m=52
